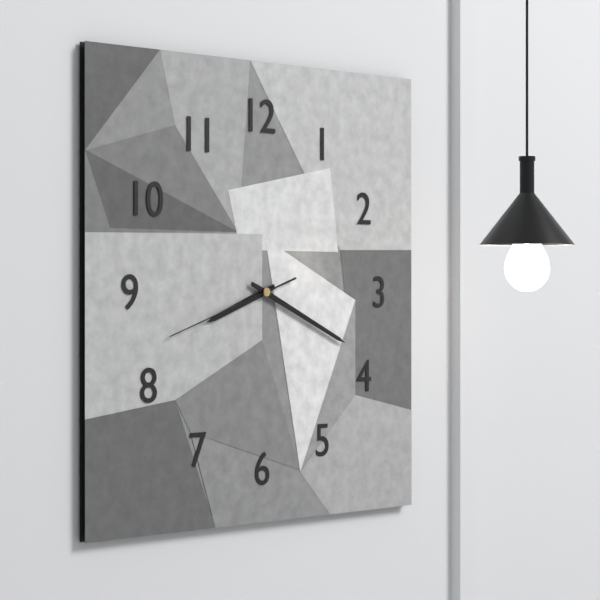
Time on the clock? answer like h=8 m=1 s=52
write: h=8 m=19 s=42
